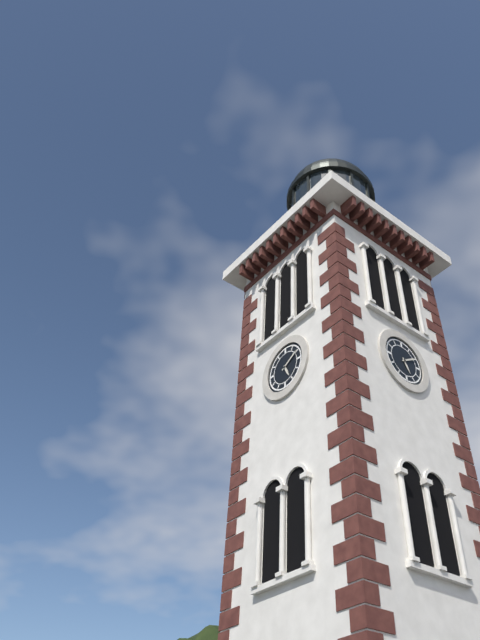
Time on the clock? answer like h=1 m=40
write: h=5 m=10
